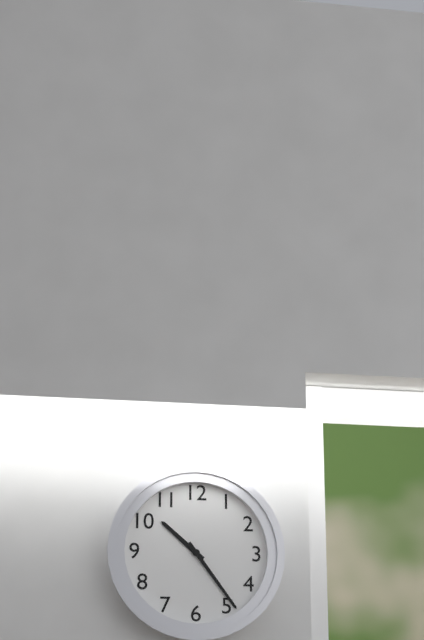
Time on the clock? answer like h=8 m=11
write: h=10 m=24
